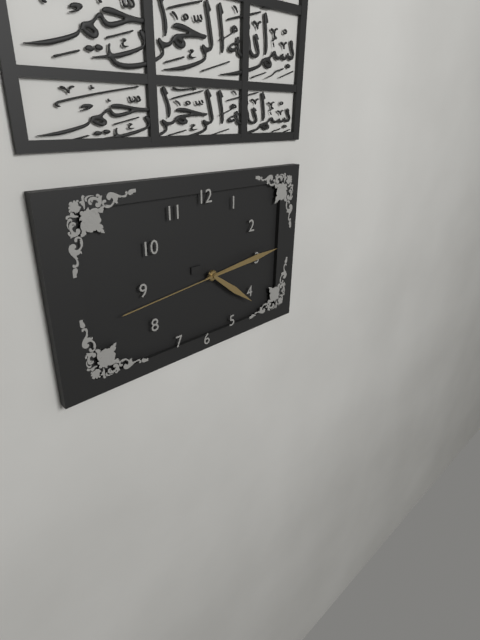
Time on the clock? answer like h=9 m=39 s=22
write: h=4 m=14 s=44
